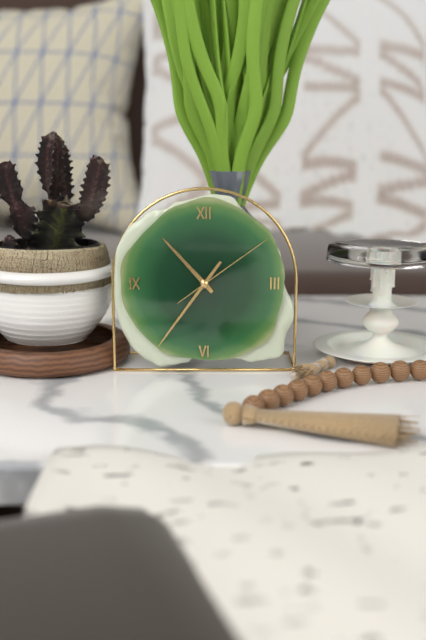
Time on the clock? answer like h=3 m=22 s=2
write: h=10 m=36 s=9
